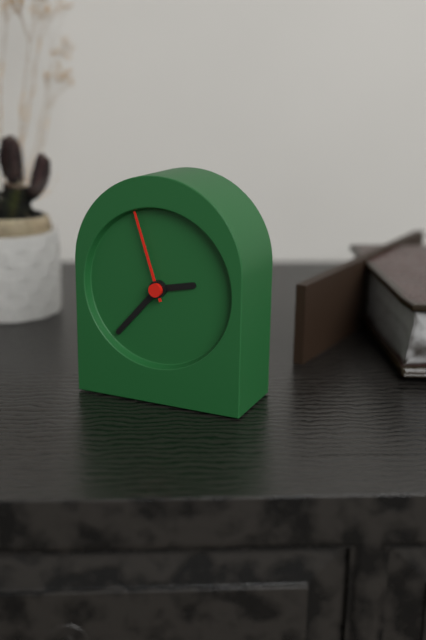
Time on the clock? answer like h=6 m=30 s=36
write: h=2 m=37 s=57
